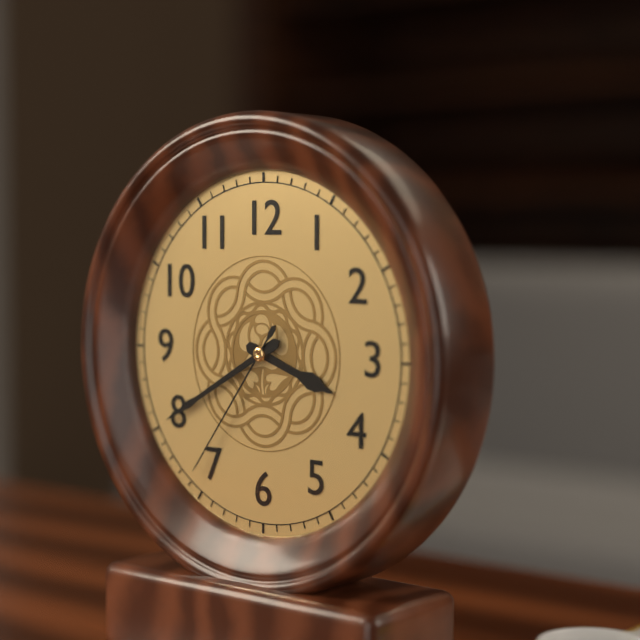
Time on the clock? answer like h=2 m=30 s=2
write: h=3 m=40 s=36
